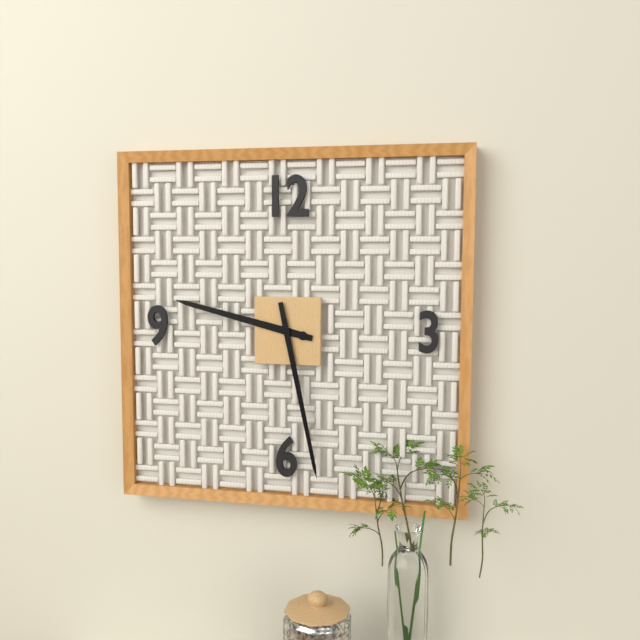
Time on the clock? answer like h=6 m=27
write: h=9 m=28
